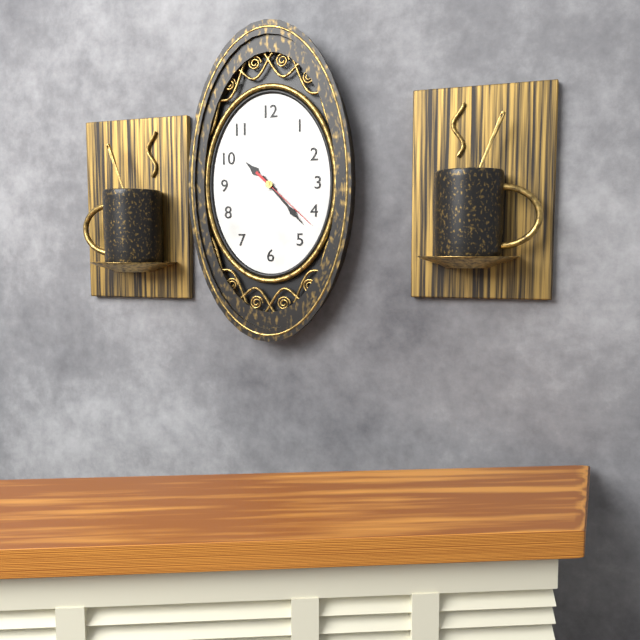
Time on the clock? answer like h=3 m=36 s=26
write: h=10 m=23 s=22
